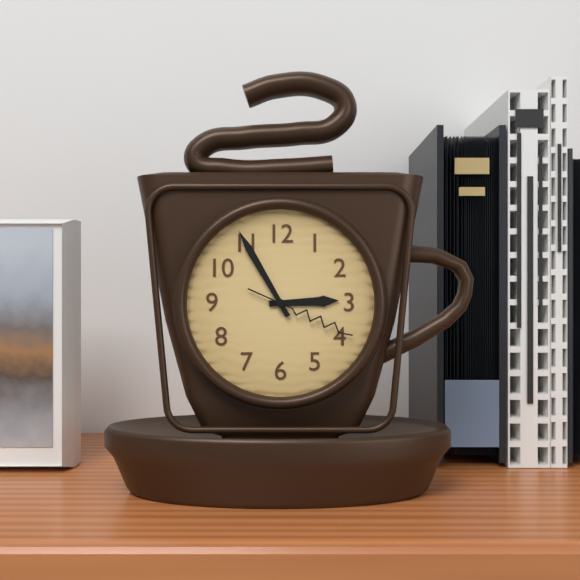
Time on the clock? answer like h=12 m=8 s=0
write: h=2 m=55 s=19
